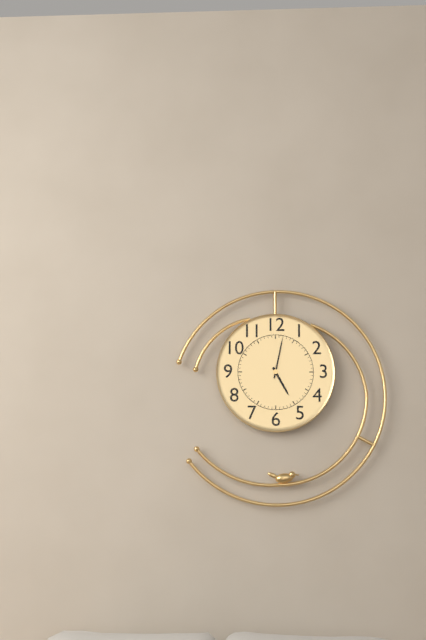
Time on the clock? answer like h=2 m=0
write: h=5 m=2
